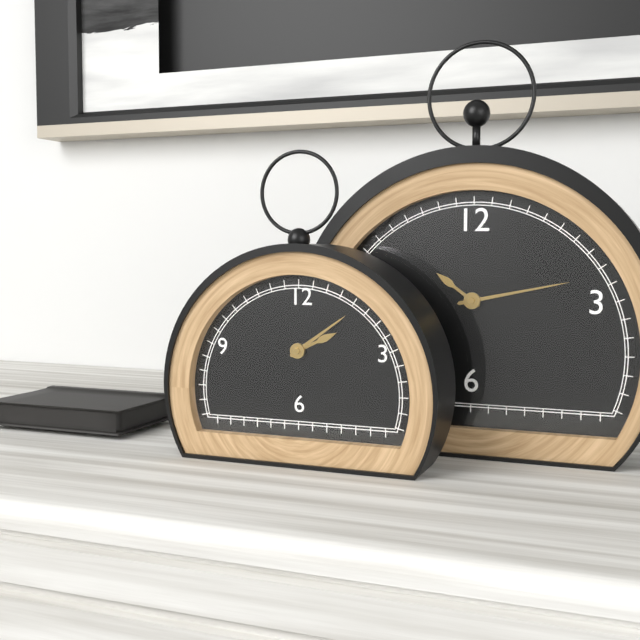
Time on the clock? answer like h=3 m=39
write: h=2 m=9
